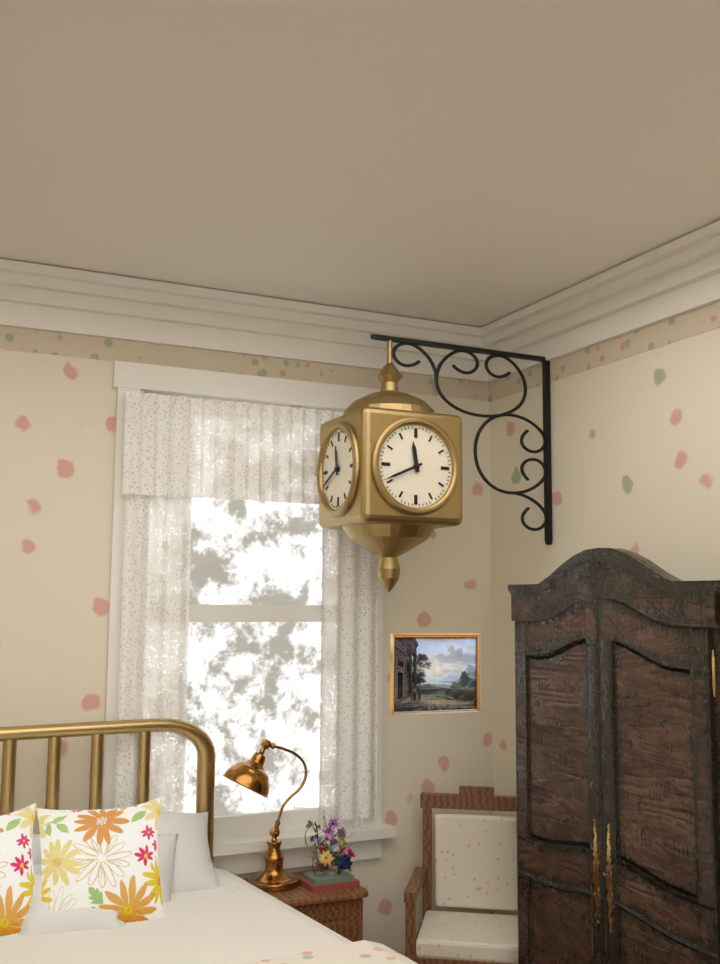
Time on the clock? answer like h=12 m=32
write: h=11 m=41
